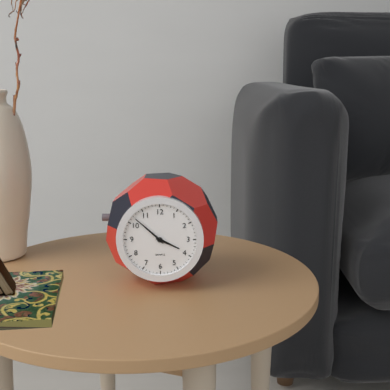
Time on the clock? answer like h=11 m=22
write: h=3 m=52
